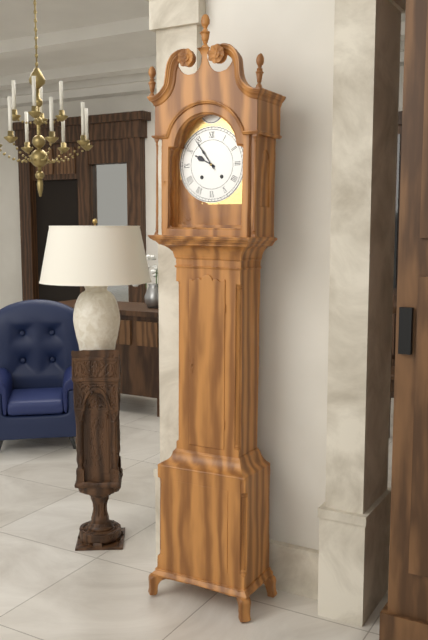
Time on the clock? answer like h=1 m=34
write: h=9 m=54
